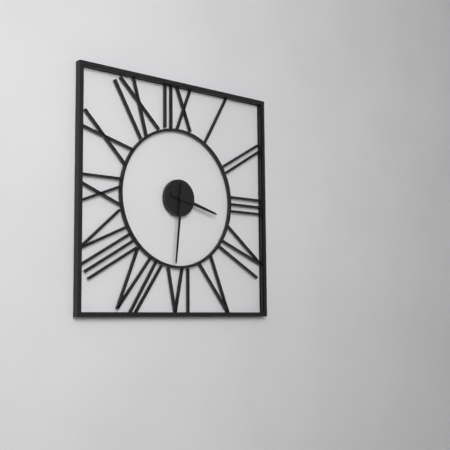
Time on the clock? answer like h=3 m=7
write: h=3 m=31
